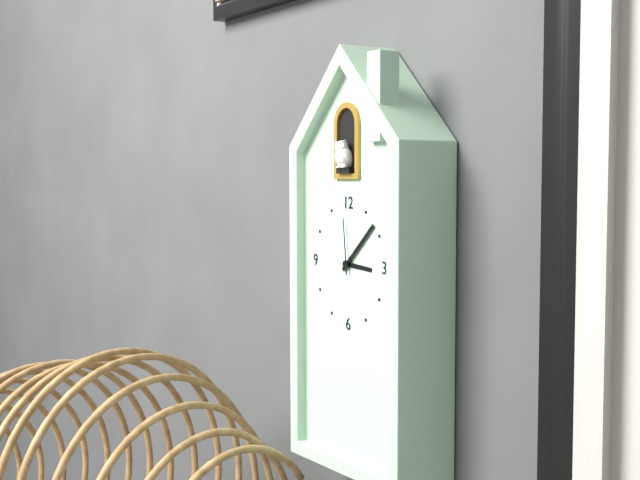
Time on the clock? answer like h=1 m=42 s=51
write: h=3 m=8 s=59
